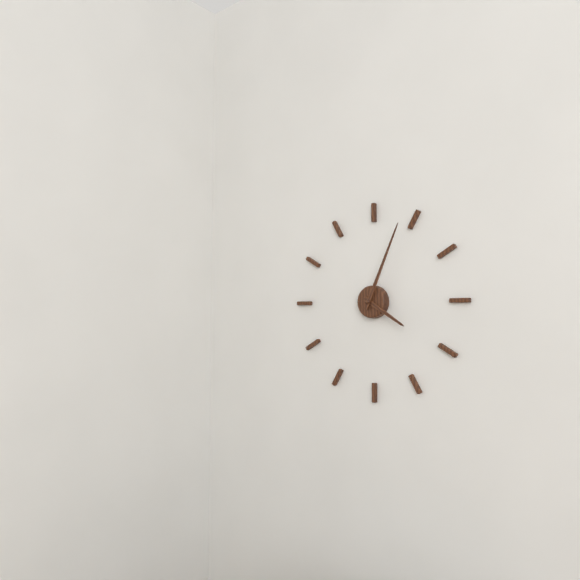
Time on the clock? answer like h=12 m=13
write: h=4 m=4
